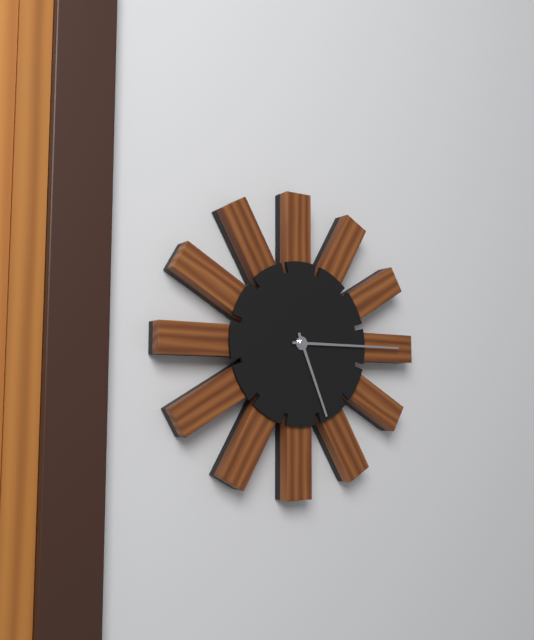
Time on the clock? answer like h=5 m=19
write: h=5 m=15
